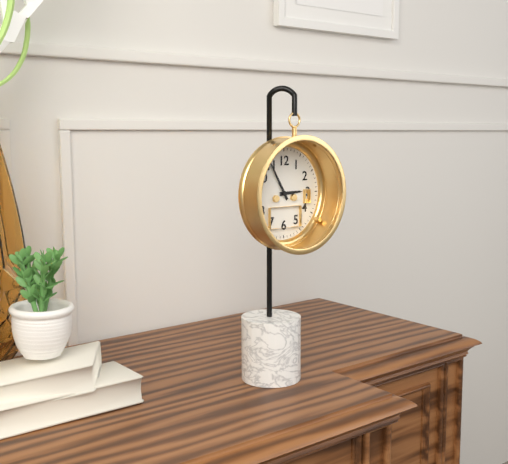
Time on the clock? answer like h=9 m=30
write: h=2 m=55
